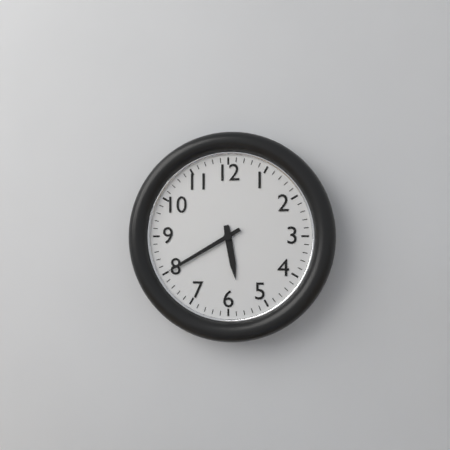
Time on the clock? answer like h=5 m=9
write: h=5 m=40
